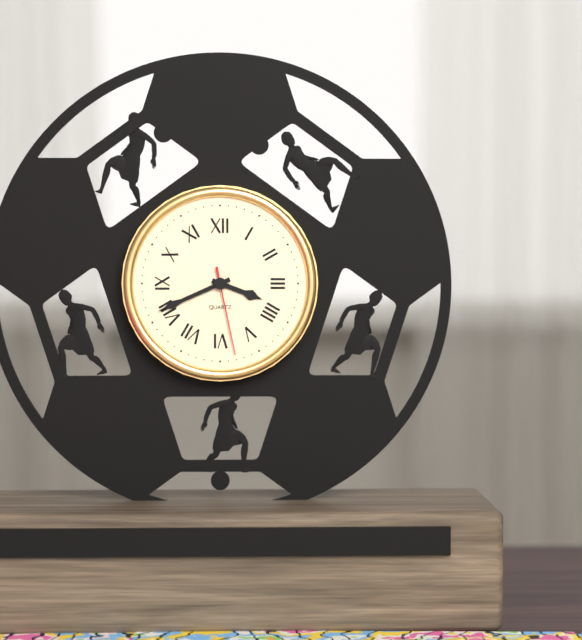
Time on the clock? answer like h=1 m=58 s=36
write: h=3 m=41 s=28
